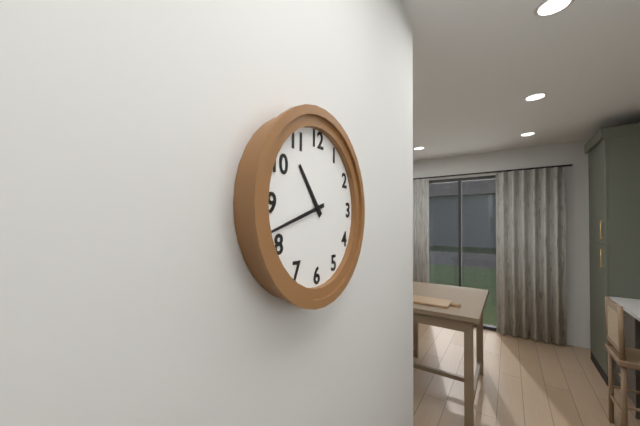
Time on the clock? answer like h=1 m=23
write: h=10 m=42
